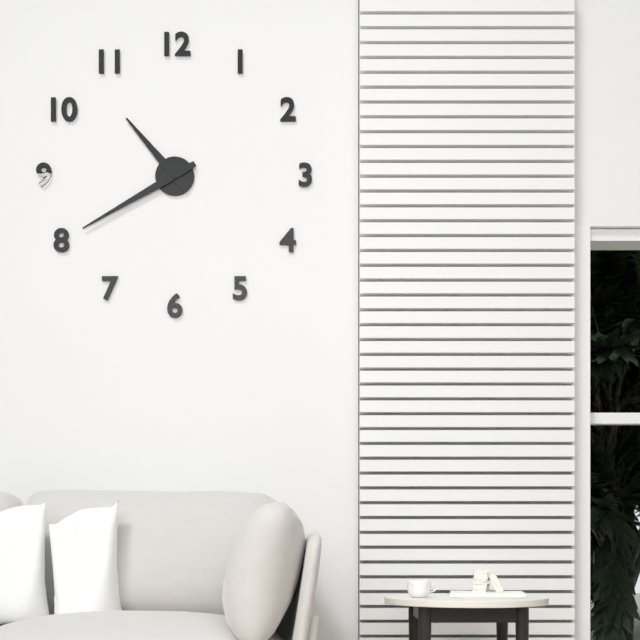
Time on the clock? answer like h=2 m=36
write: h=10 m=40
